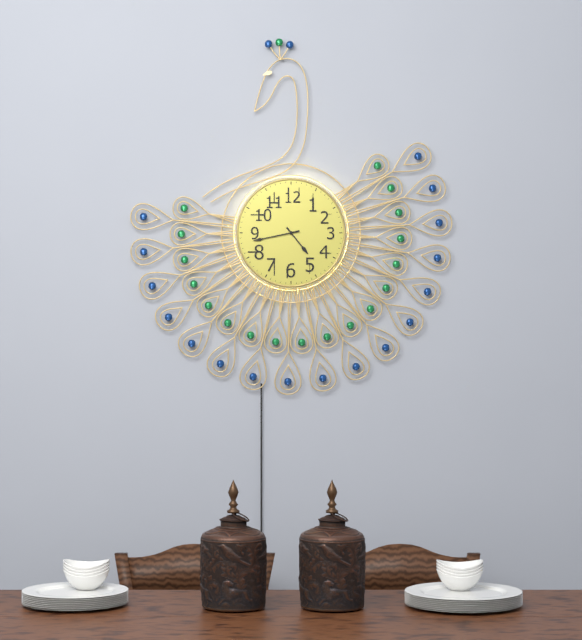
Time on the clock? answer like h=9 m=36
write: h=4 m=43
